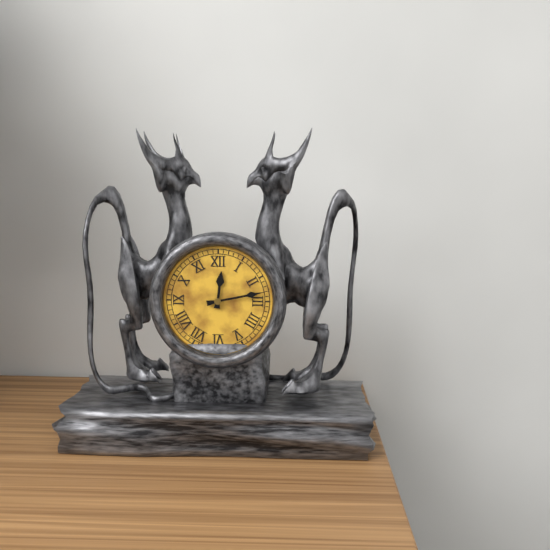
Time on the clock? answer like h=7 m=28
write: h=12 m=13
